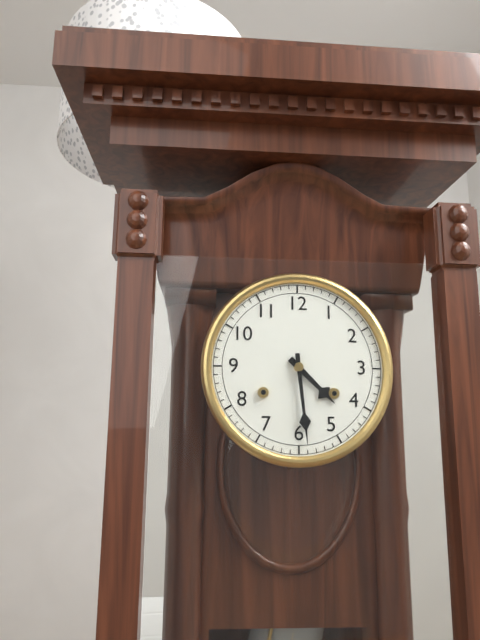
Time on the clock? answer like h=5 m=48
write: h=4 m=29
